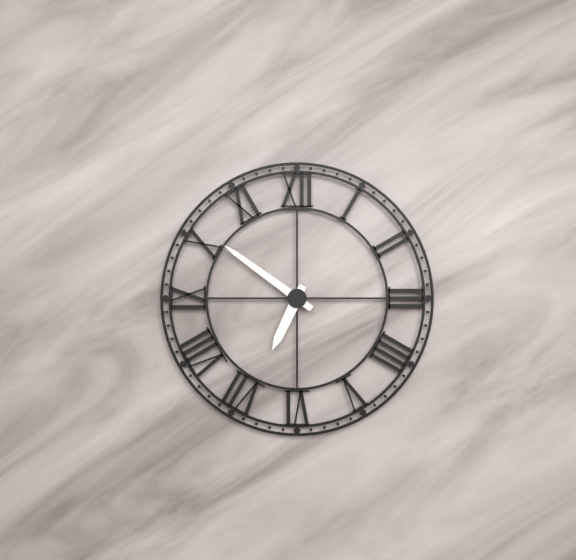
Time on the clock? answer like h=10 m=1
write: h=6 m=51
